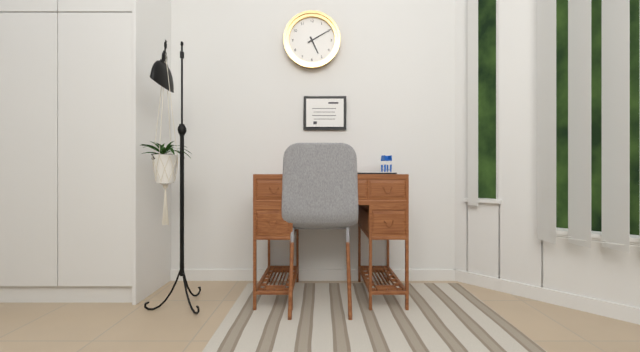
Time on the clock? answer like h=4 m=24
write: h=5 m=10
